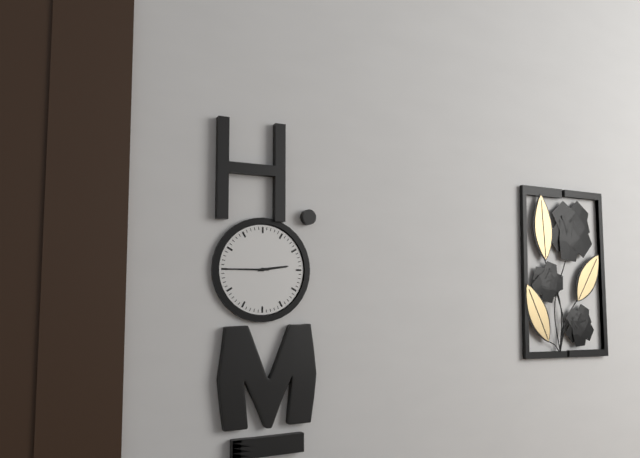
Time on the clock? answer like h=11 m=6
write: h=2 m=45
